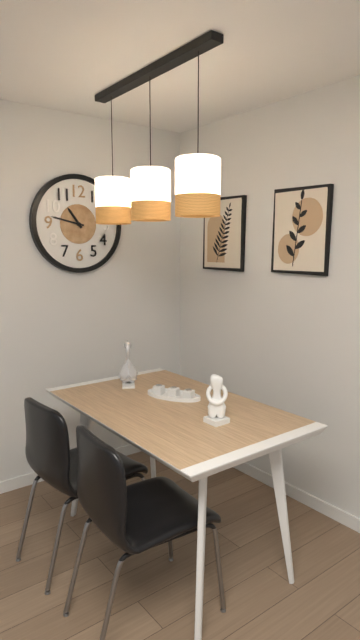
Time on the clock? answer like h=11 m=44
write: h=10 m=47
